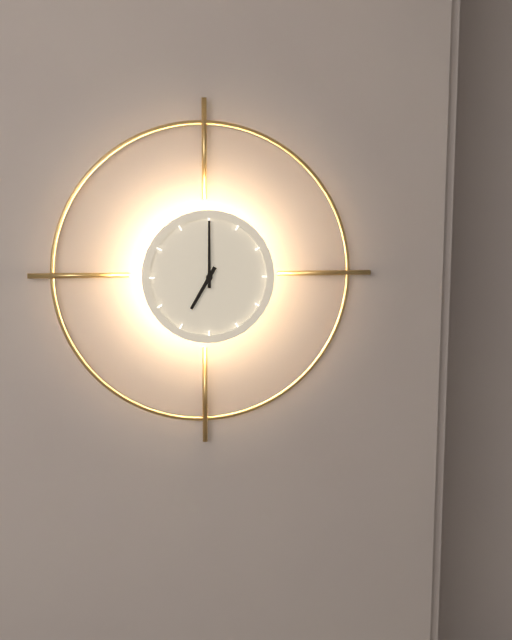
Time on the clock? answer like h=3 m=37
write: h=7 m=0
